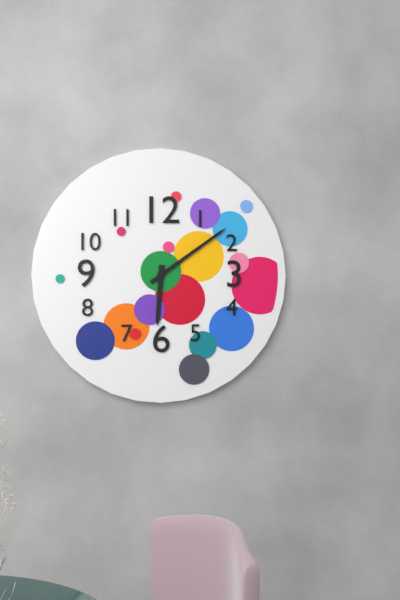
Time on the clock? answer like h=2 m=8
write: h=6 m=9
